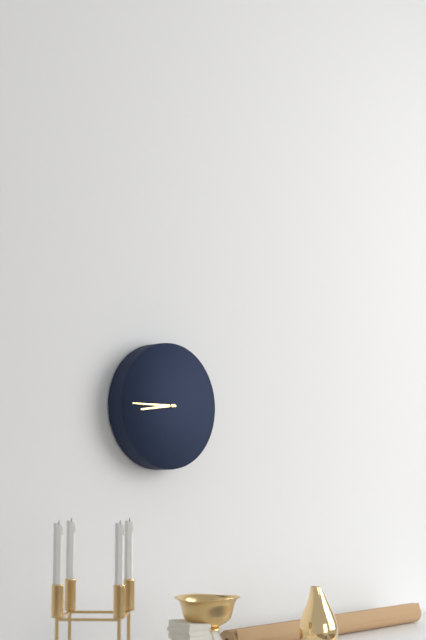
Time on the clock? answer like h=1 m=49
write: h=8 m=45
